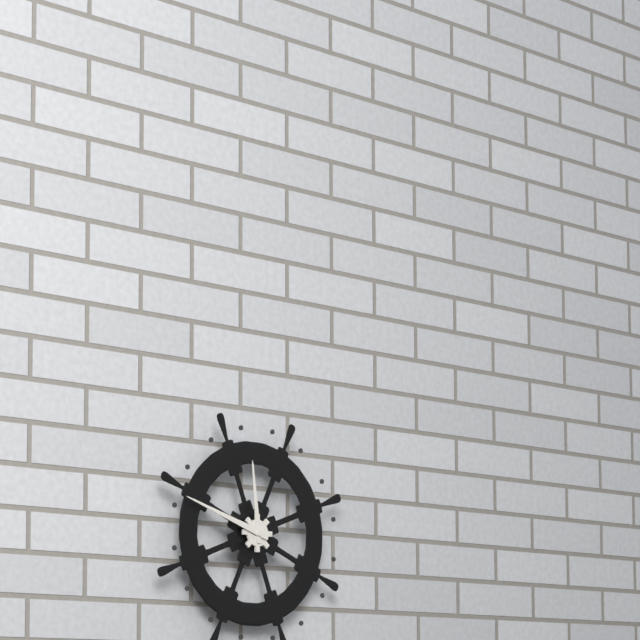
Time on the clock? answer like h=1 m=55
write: h=11 m=48
